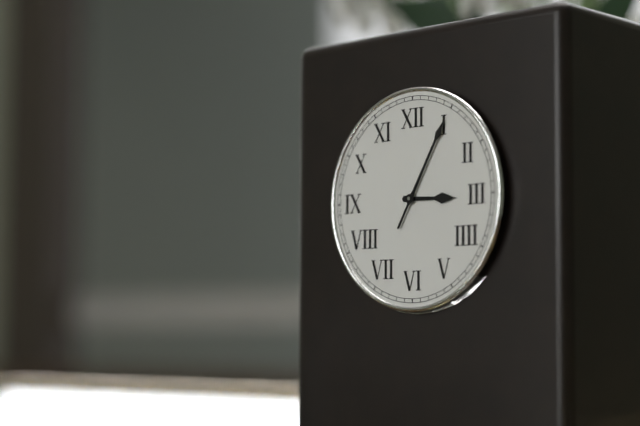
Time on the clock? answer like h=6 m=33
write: h=3 m=5
